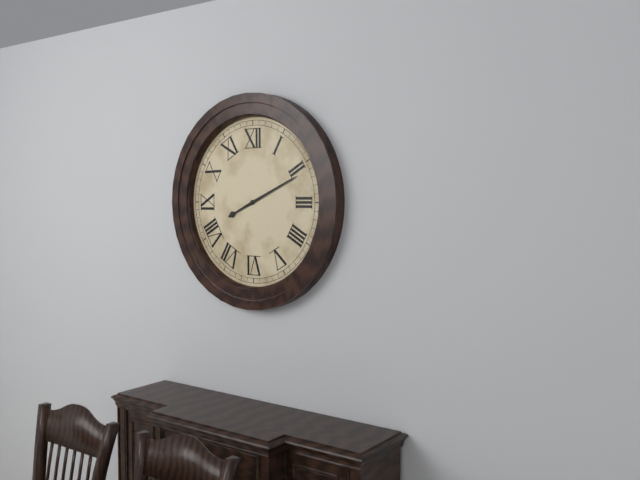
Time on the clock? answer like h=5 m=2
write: h=8 m=11
